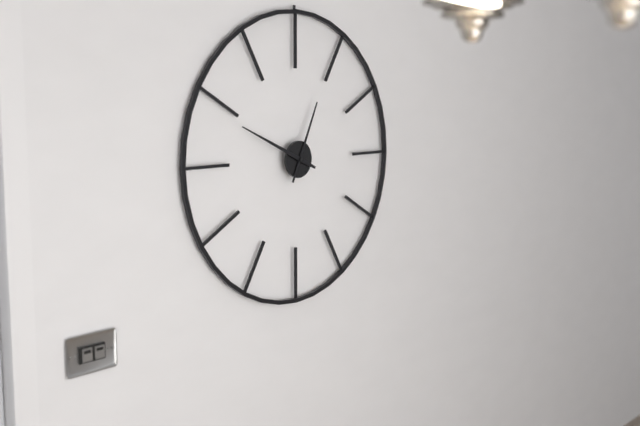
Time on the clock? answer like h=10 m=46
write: h=12 m=49
